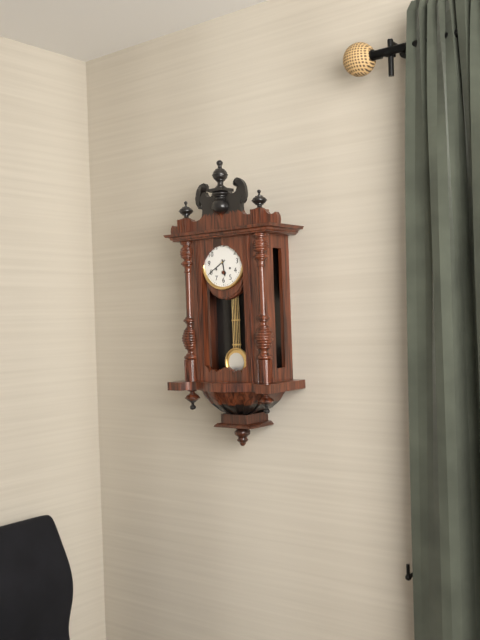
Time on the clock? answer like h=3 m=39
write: h=5 m=40
